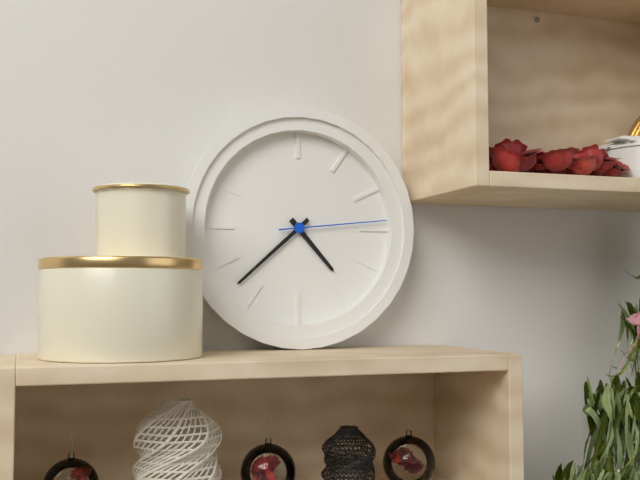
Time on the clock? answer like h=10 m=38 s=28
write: h=4 m=38 s=14
